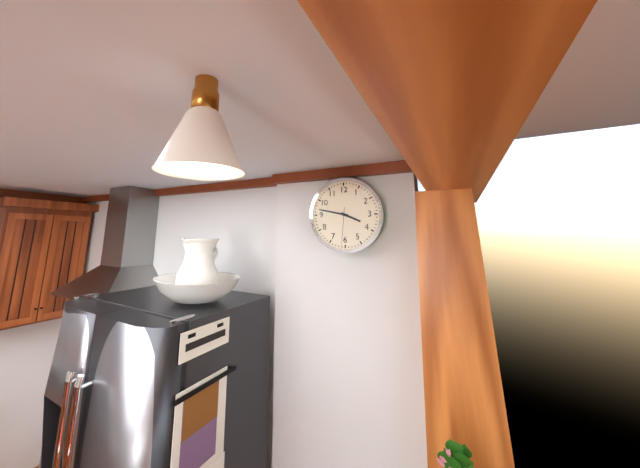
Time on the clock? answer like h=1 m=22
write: h=3 m=47
